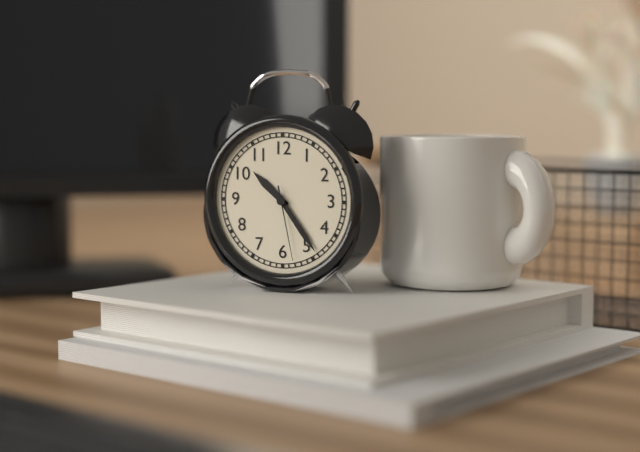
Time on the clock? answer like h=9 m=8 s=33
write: h=10 m=24 s=28
